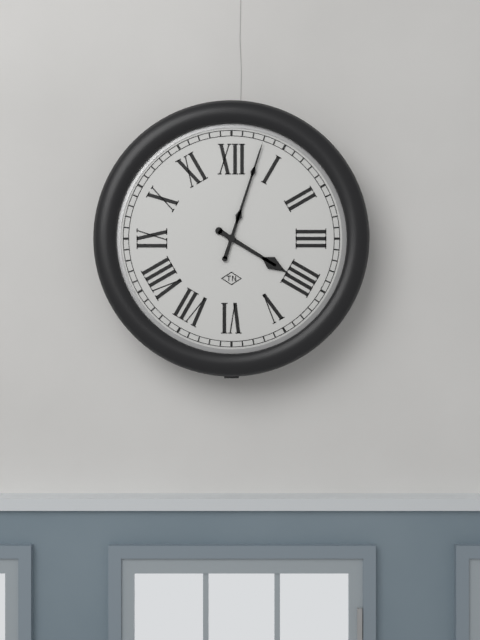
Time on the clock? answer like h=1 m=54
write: h=4 m=3
